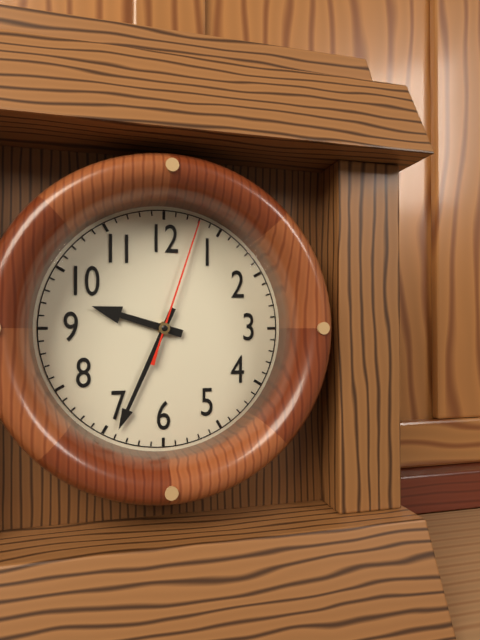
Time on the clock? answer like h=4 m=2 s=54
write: h=9 m=34 s=3
